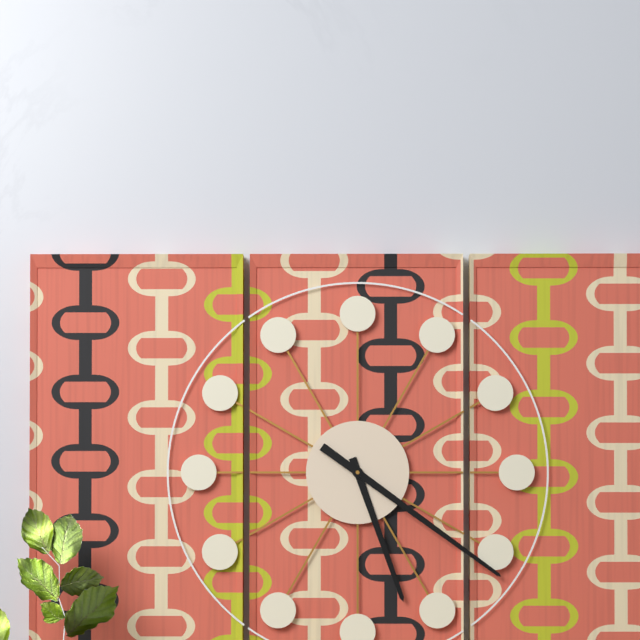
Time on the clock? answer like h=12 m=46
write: h=5 m=21
